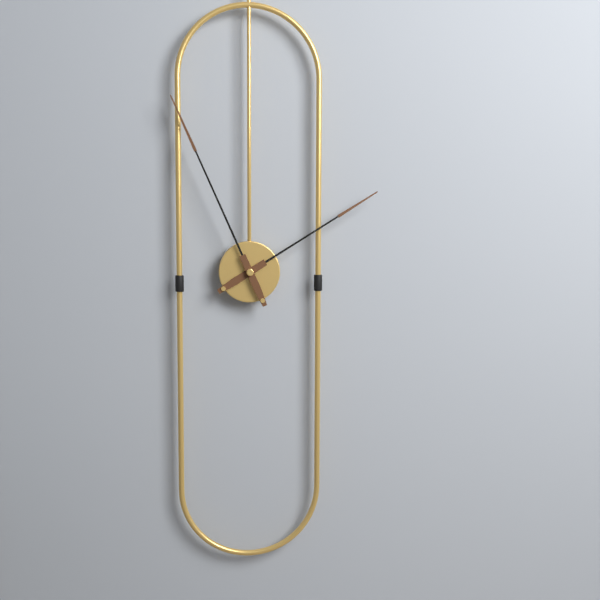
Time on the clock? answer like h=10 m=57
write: h=1 m=56
